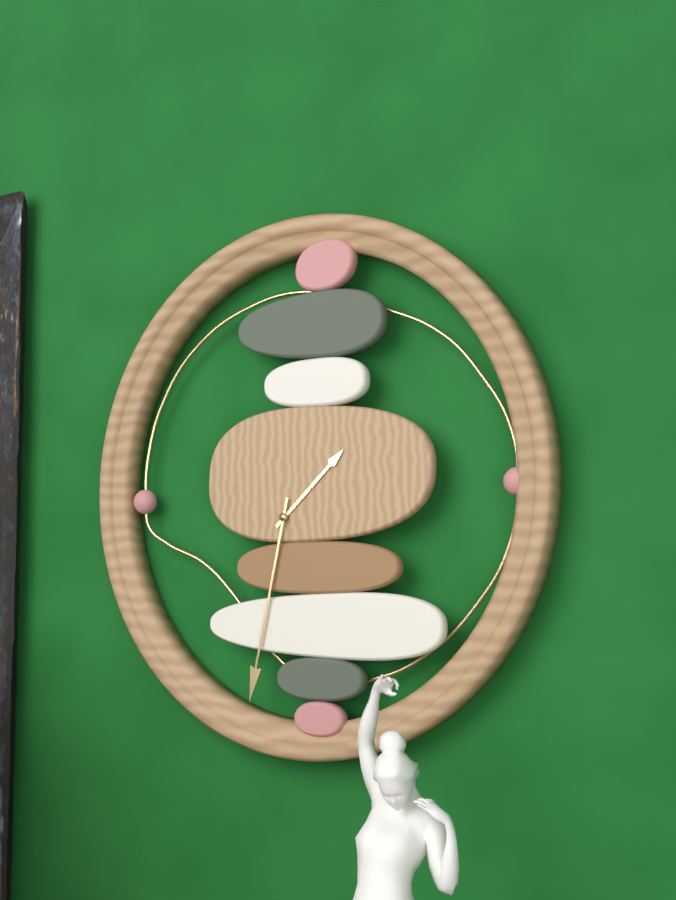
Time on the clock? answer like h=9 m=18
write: h=1 m=32
